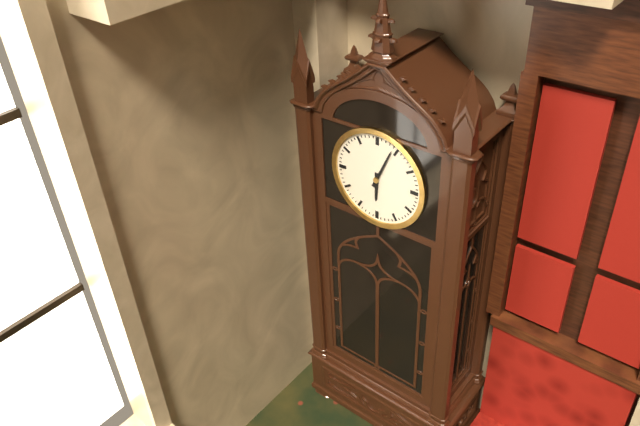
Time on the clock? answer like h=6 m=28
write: h=6 m=4
